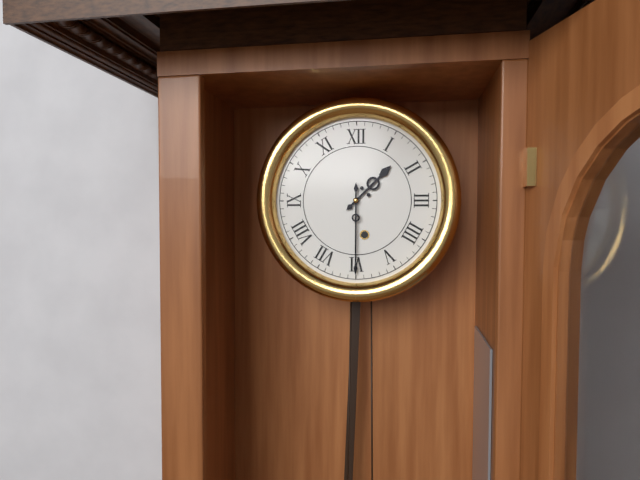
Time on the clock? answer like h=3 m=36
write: h=1 m=30
